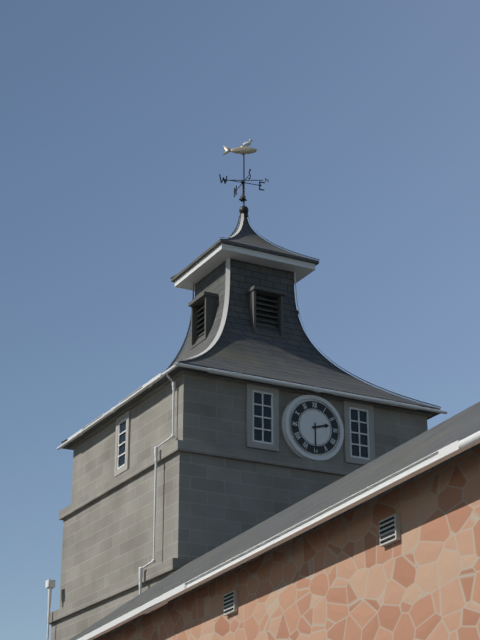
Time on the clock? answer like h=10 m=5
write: h=2 m=30
